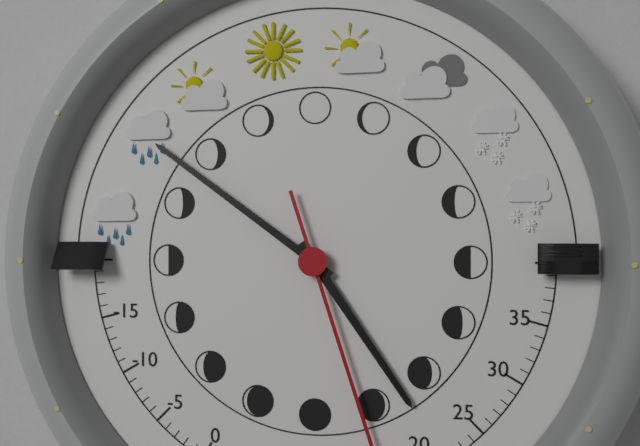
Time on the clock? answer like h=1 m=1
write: h=4 m=51
